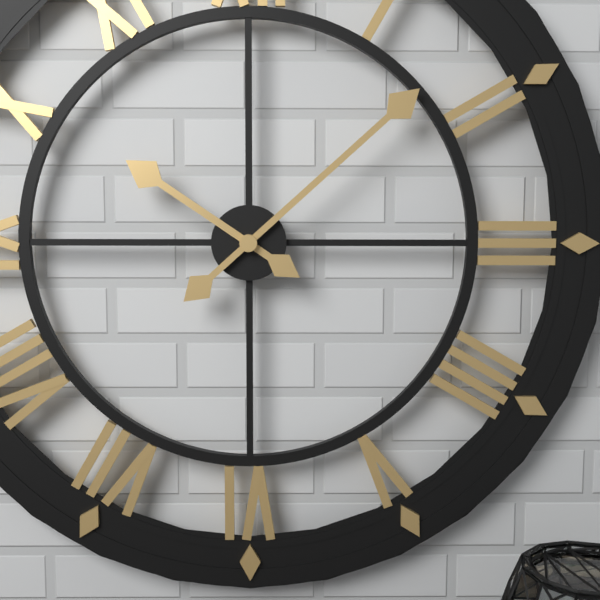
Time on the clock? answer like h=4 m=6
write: h=10 m=8
